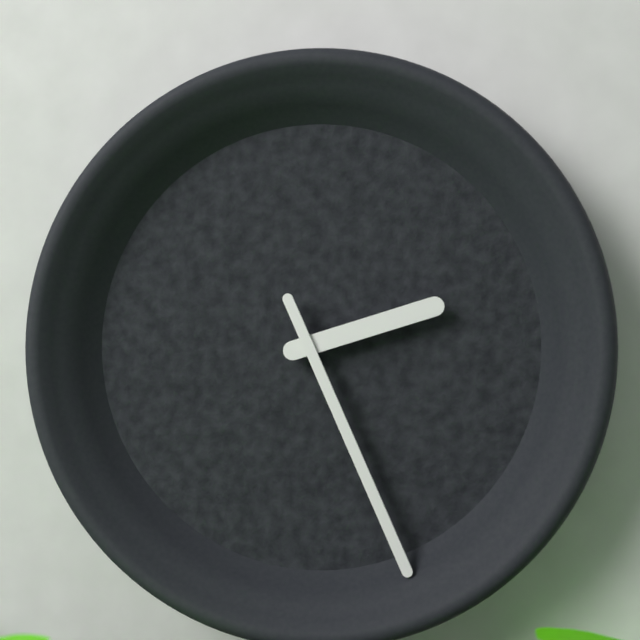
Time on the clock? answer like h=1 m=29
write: h=2 m=26
